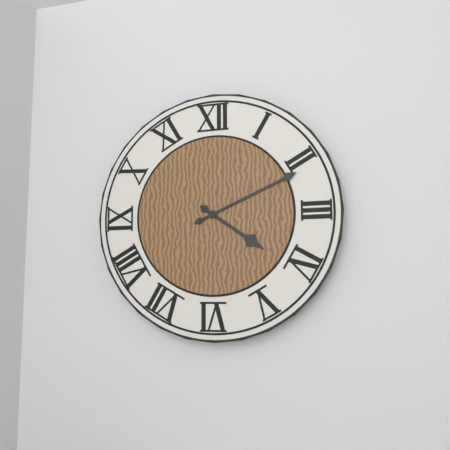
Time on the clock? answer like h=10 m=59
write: h=4 m=11
